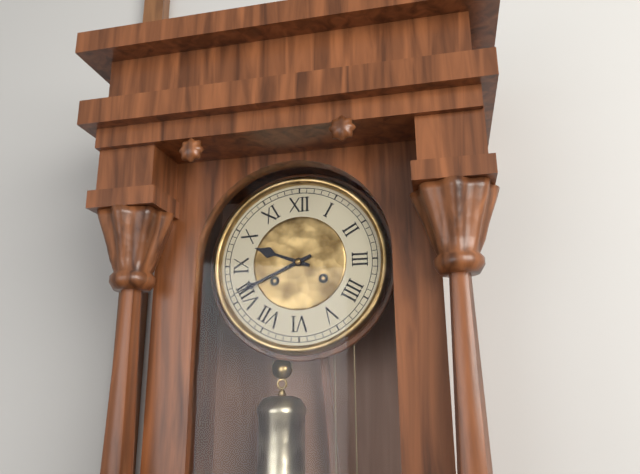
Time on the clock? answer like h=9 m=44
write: h=9 m=41
